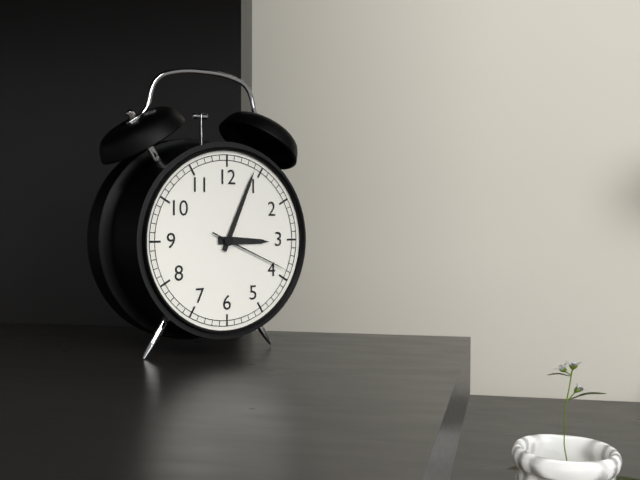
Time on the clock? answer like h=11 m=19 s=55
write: h=3 m=4 s=19
